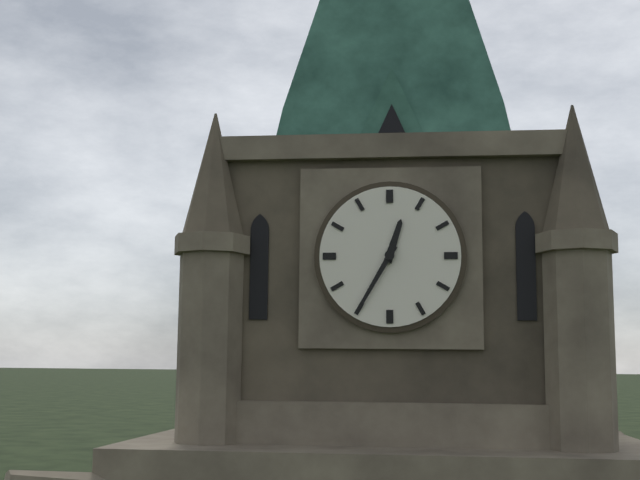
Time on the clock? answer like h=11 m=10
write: h=12 m=35
